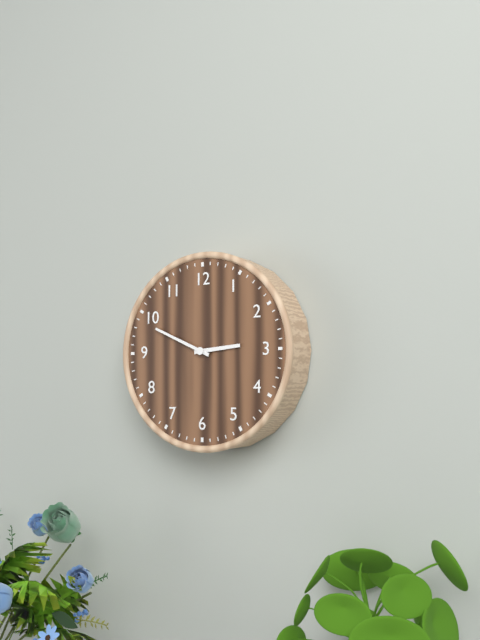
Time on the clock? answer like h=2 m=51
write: h=2 m=49
